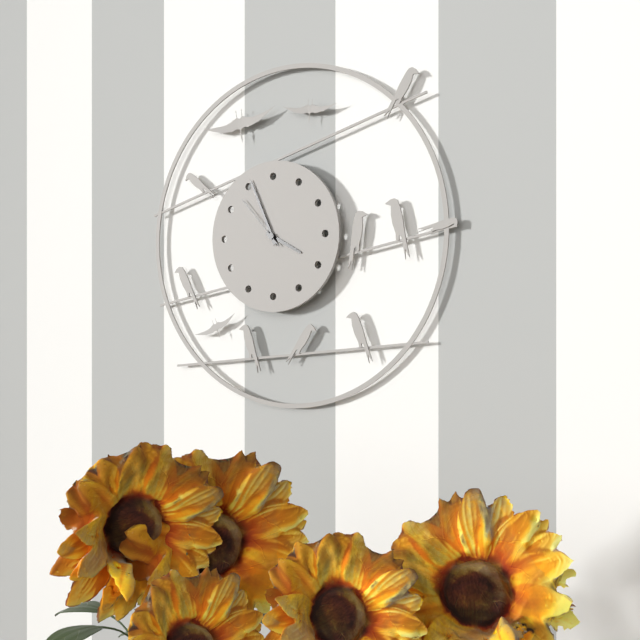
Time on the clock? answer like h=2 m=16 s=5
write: h=3 m=56 s=53
